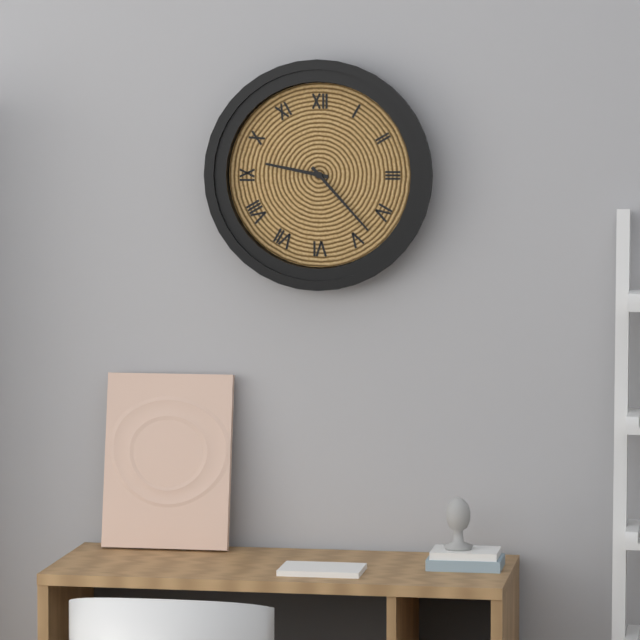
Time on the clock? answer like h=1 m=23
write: h=9 m=23
